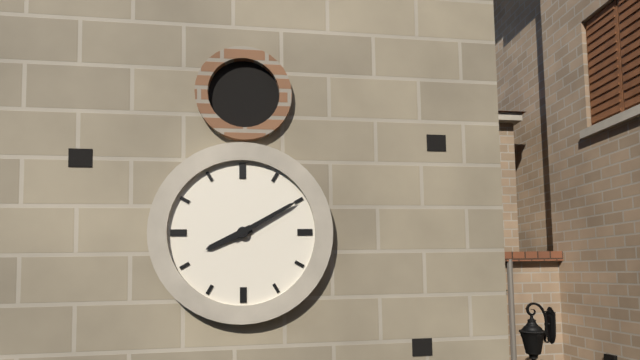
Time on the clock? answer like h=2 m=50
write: h=8 m=10
